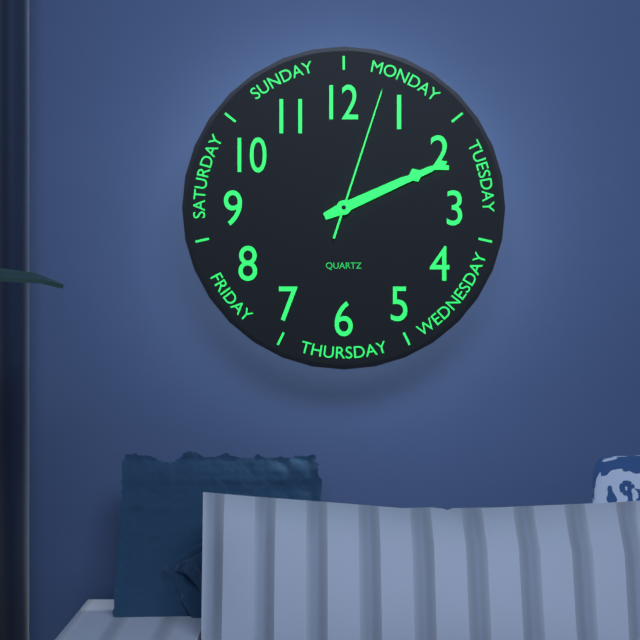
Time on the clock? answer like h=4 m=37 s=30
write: h=2 m=11 s=3
